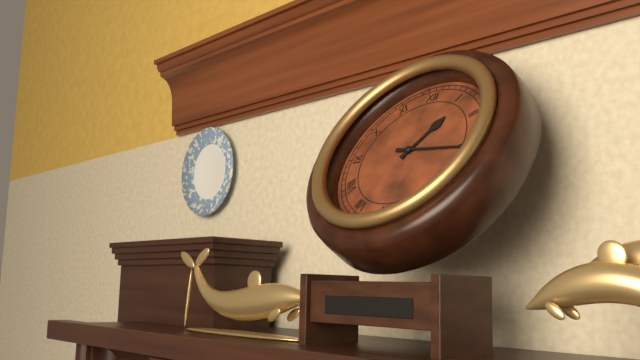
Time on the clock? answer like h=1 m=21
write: h=1 m=16
